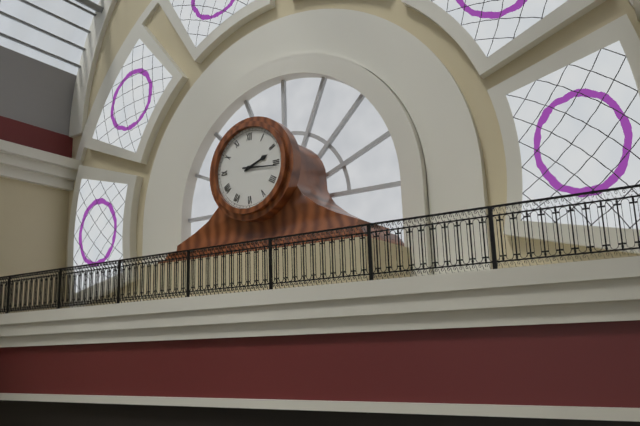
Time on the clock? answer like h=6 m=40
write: h=2 m=16
